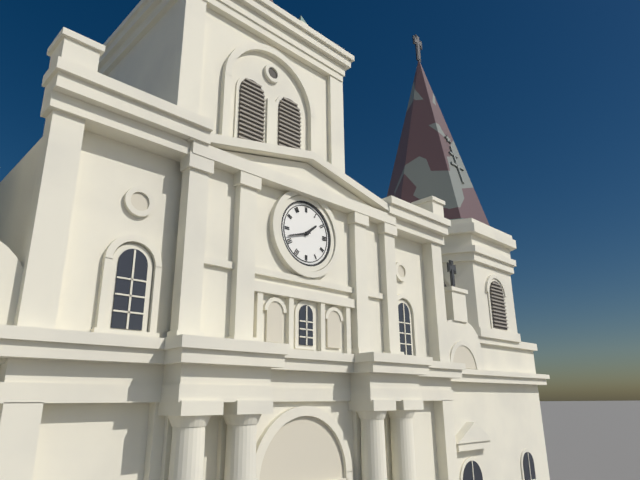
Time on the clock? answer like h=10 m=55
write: h=1 m=42
